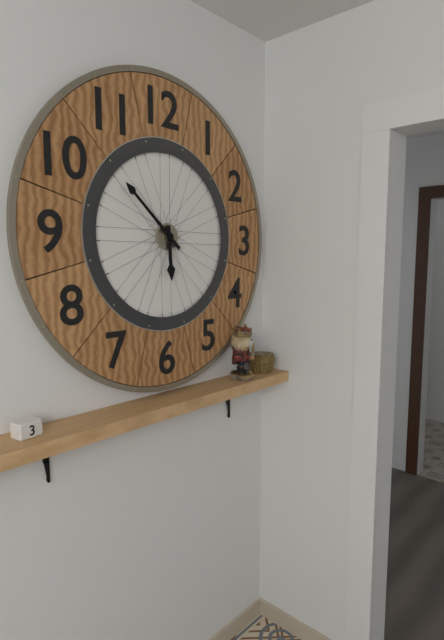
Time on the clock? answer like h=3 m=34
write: h=5 m=52
